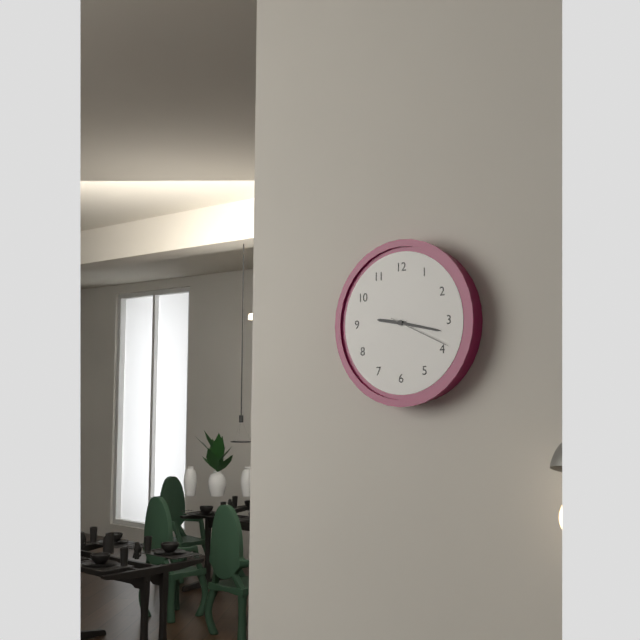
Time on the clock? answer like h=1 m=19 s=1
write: h=9 m=17 s=19
